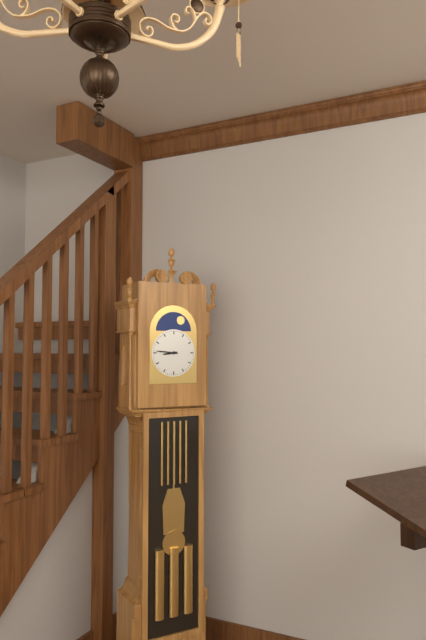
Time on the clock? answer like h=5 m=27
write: h=8 m=46
